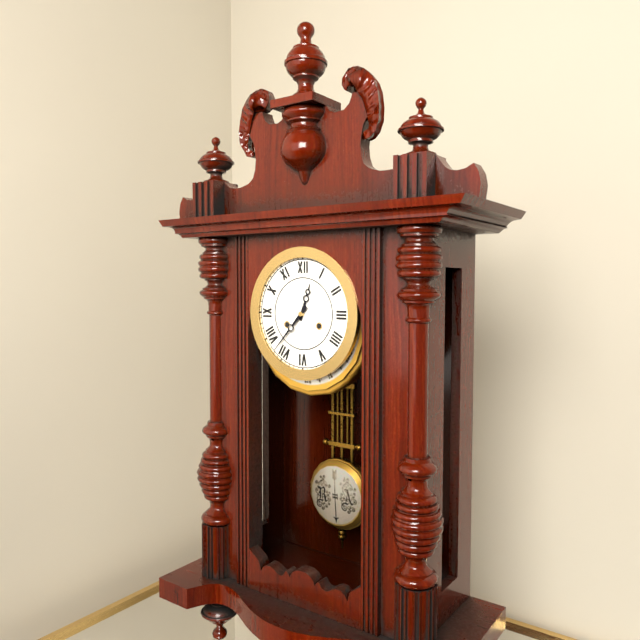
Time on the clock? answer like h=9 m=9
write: h=12 m=37
